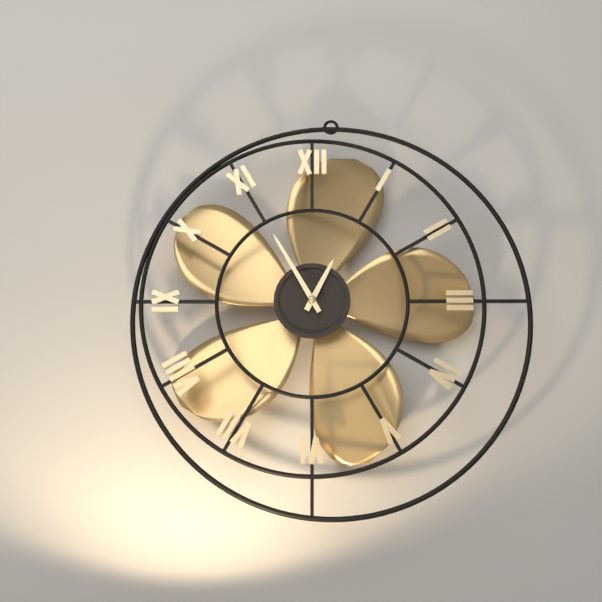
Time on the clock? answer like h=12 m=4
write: h=12 m=55
